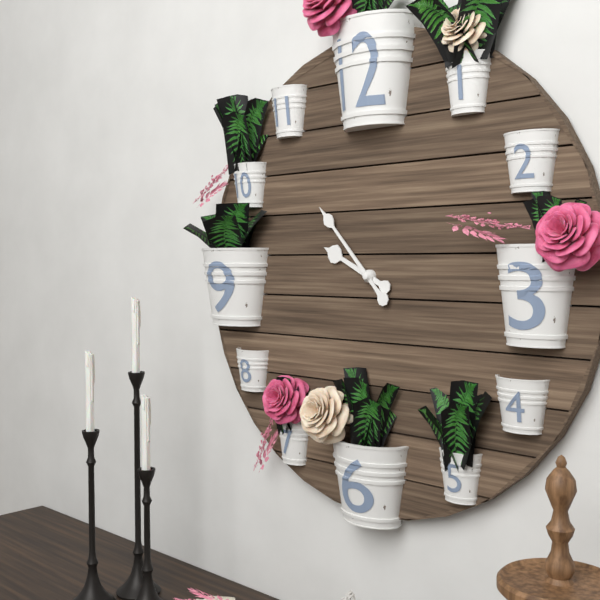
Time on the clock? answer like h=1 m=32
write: h=9 m=53
